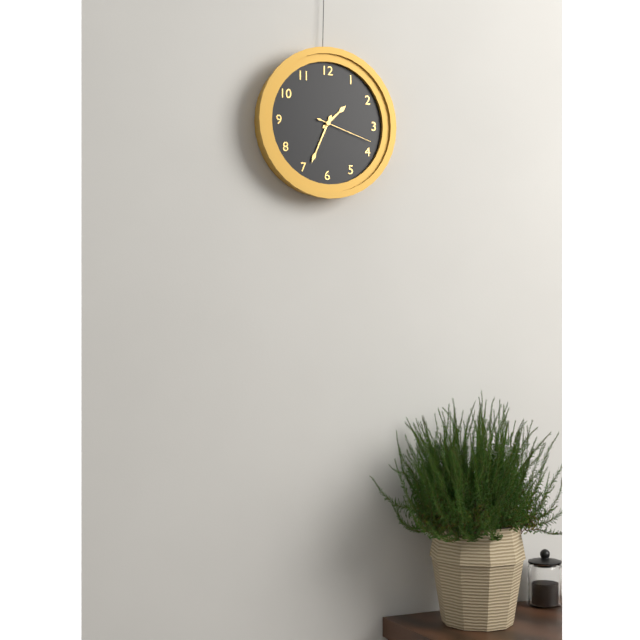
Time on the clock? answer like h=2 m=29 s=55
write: h=1 m=34 s=18
